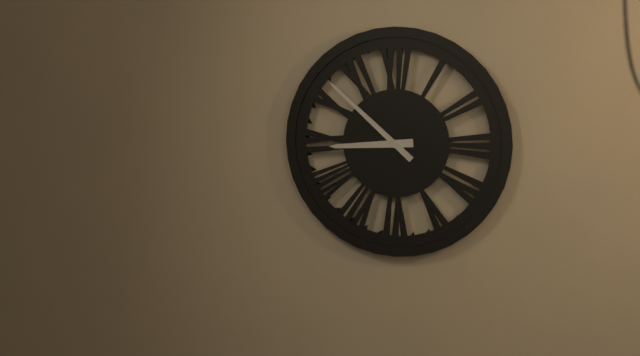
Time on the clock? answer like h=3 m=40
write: h=8 m=52
